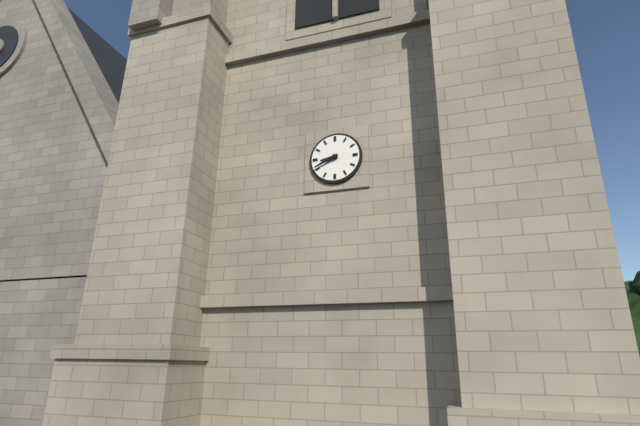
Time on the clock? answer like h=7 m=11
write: h=8 m=41
